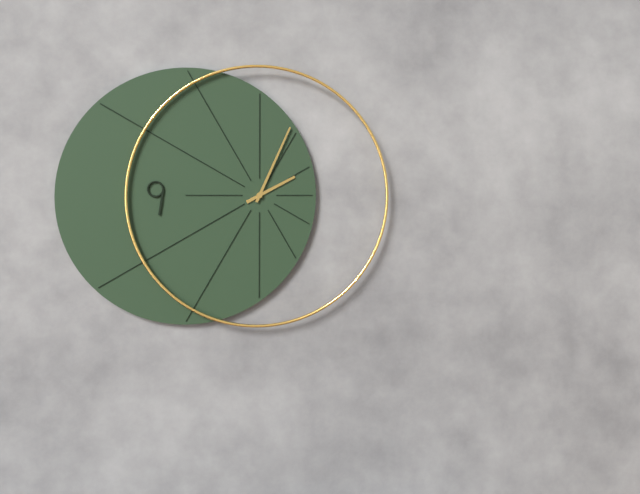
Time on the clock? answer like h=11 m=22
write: h=2 m=4
